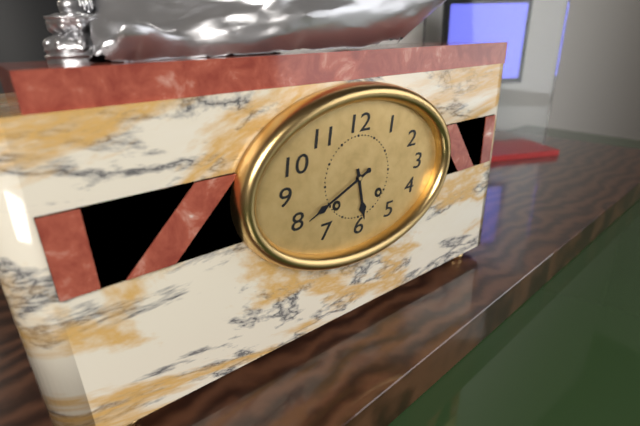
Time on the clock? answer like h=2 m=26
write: h=5 m=41
